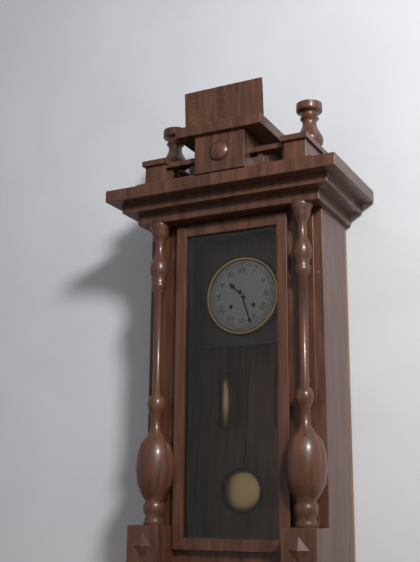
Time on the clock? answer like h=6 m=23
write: h=10 m=27
